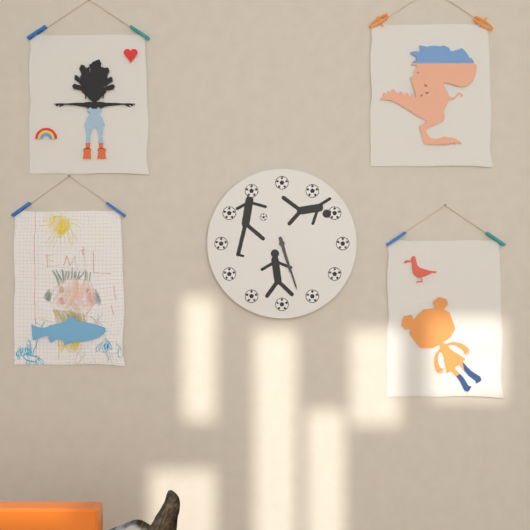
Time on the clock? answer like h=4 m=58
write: h=5 m=27
